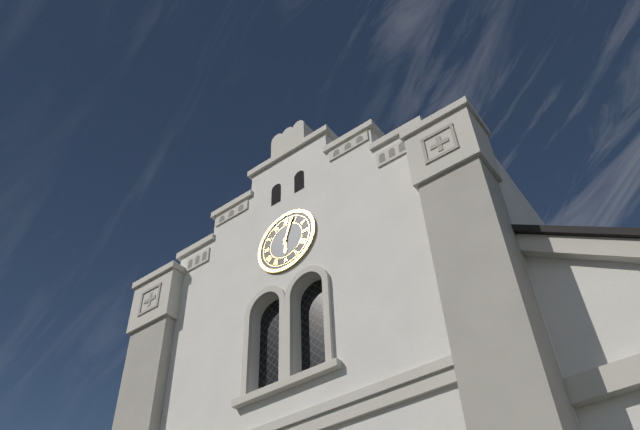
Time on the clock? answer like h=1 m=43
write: h=6 m=3
